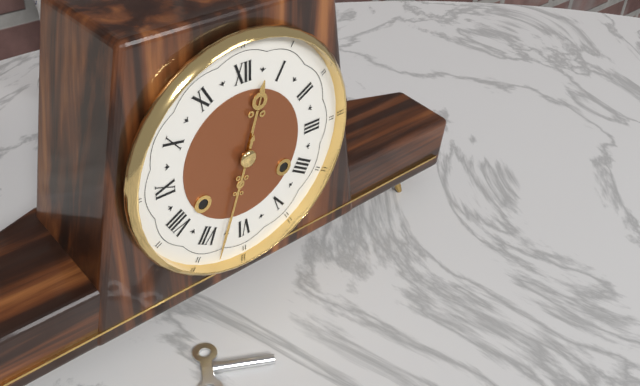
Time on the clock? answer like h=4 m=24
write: h=12 m=33
